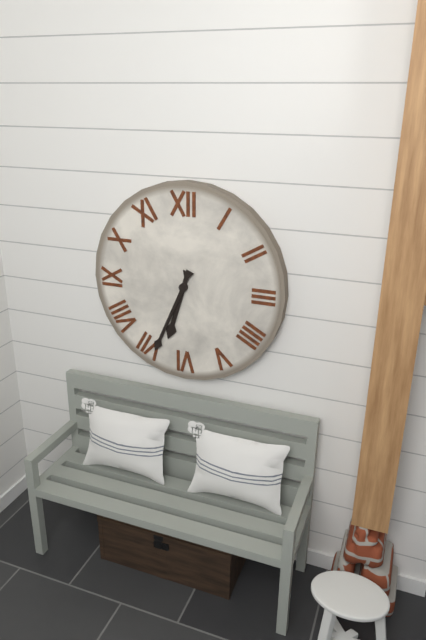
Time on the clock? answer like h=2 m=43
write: h=6 m=34
